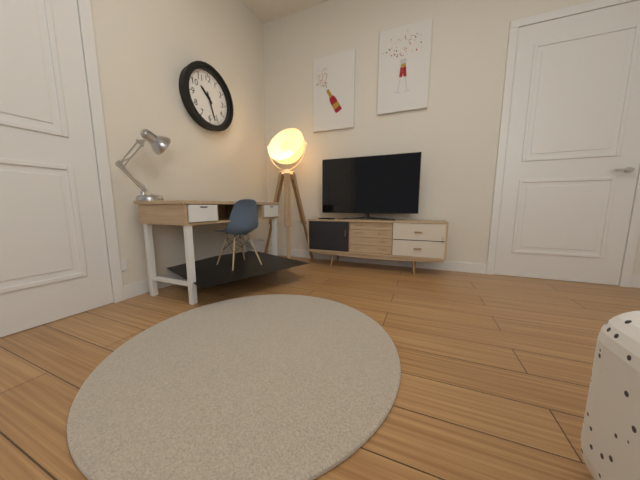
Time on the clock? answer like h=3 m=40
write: h=10 m=27
